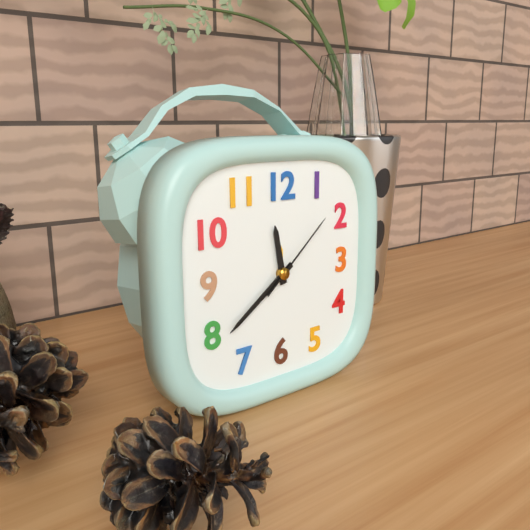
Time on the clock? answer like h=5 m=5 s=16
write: h=11 m=39 s=8
